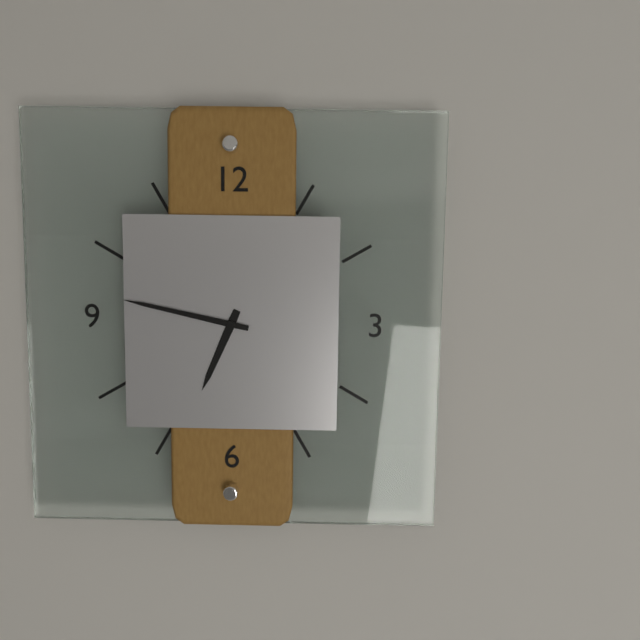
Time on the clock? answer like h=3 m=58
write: h=6 m=47
